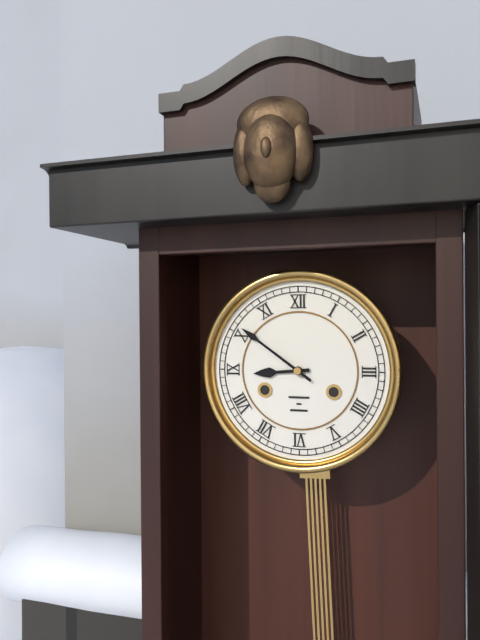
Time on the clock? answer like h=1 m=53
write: h=8 m=51
